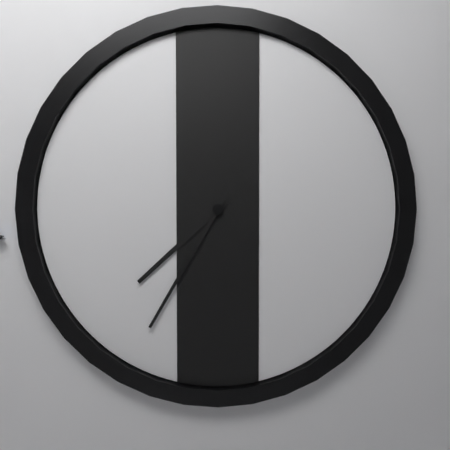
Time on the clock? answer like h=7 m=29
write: h=7 m=35
